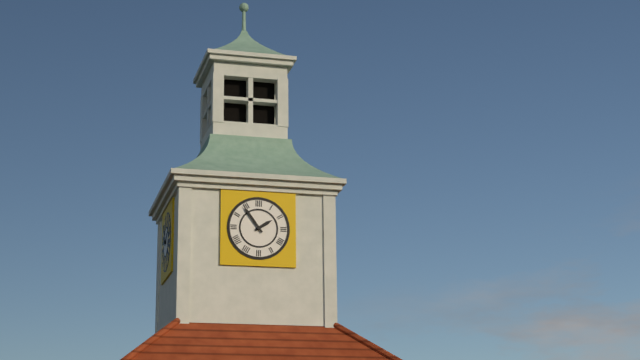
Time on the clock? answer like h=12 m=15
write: h=1 m=54
